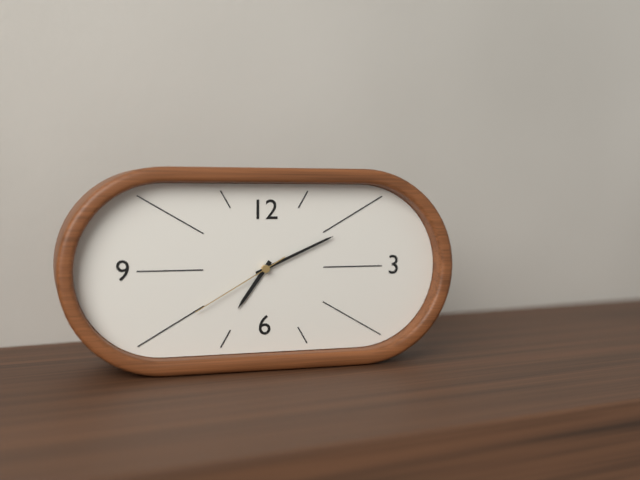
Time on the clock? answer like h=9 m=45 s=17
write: h=7 m=11 s=40
